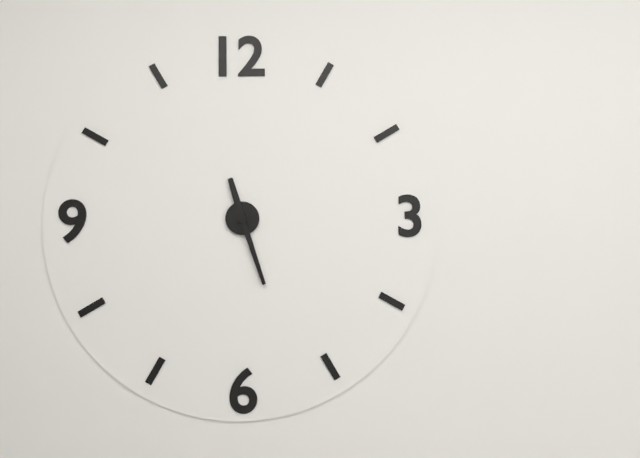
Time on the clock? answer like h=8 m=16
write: h=11 m=27
